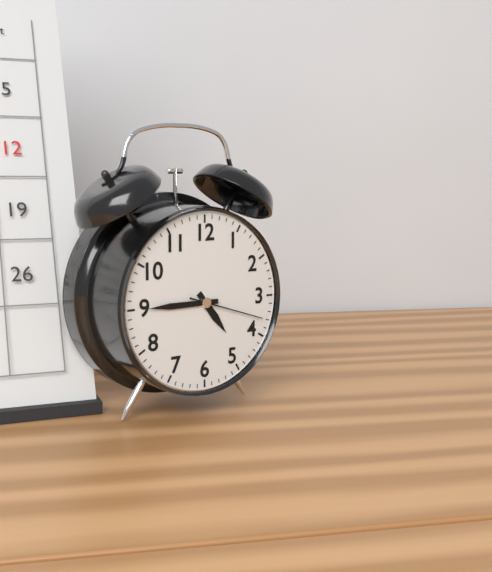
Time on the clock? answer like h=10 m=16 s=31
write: h=4 m=45 s=18
